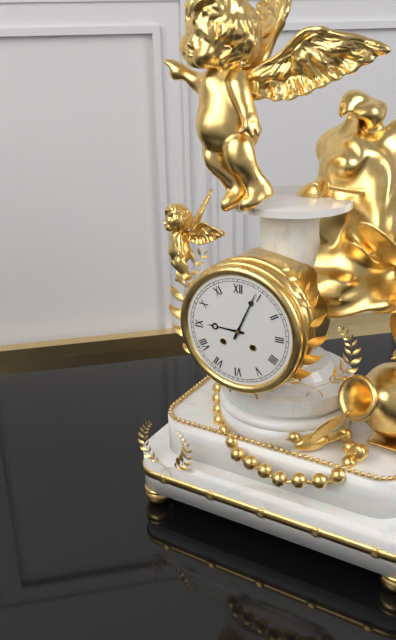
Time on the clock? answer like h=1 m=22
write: h=9 m=4
